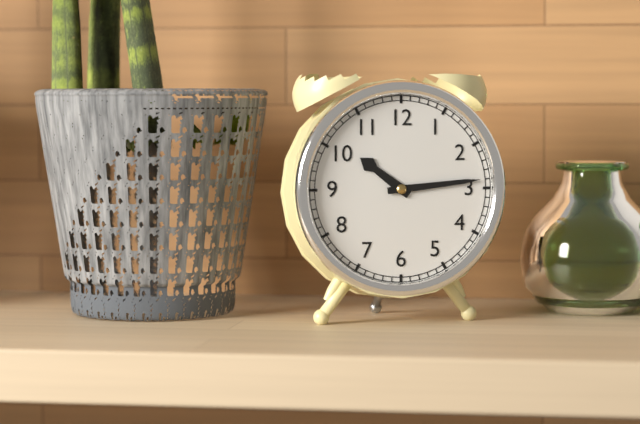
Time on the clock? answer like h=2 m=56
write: h=10 m=14
